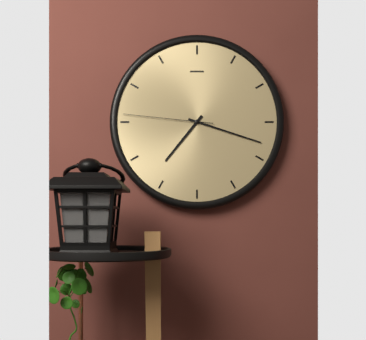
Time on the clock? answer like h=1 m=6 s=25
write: h=7 m=18 s=46
